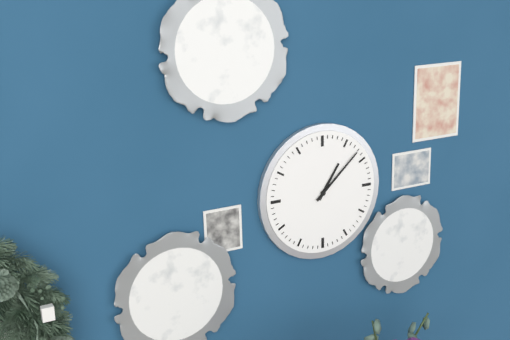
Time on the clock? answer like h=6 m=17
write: h=1 m=8
